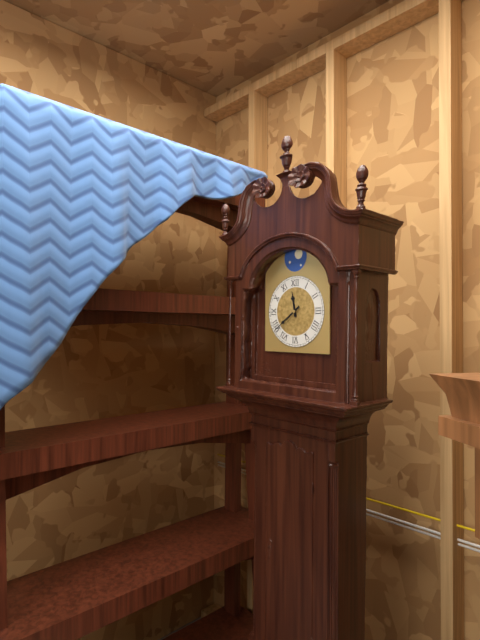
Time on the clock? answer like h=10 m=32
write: h=11 m=39
